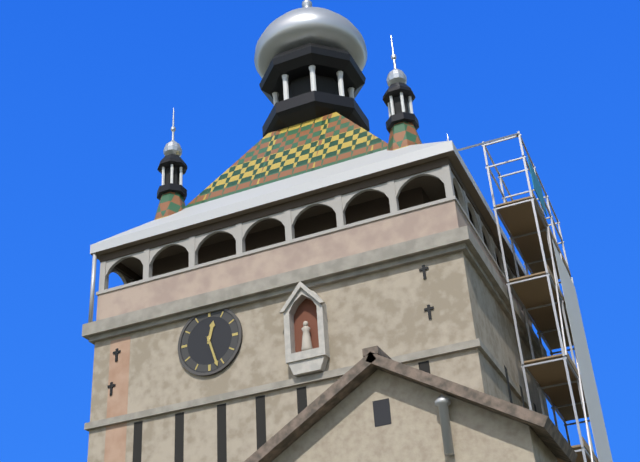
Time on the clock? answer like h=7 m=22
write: h=12 m=27
